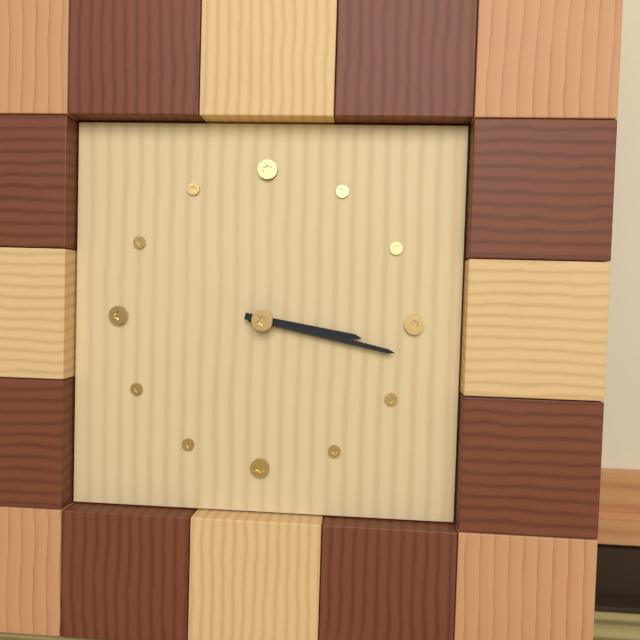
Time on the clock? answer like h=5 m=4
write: h=3 m=17
